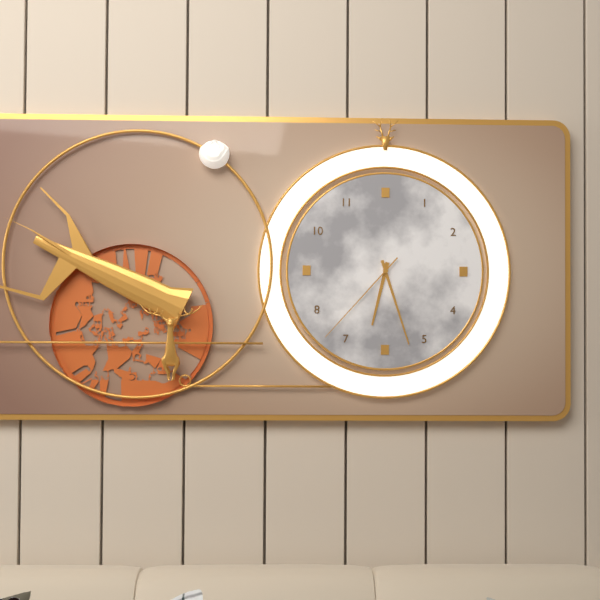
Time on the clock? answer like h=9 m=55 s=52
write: h=6 m=27 s=37
